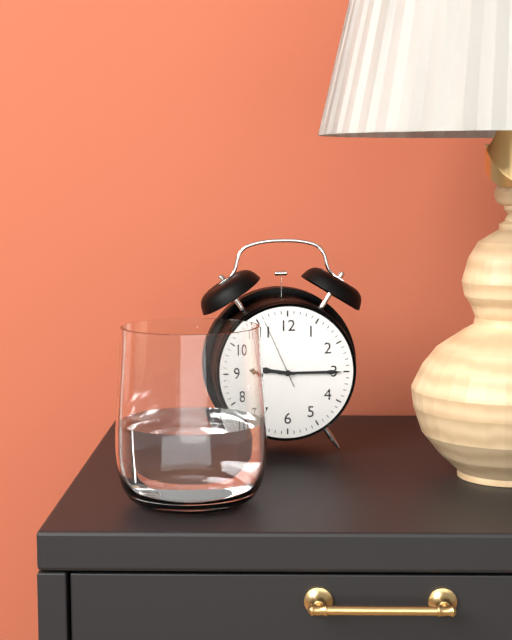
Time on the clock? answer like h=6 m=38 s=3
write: h=9 m=15 s=56
